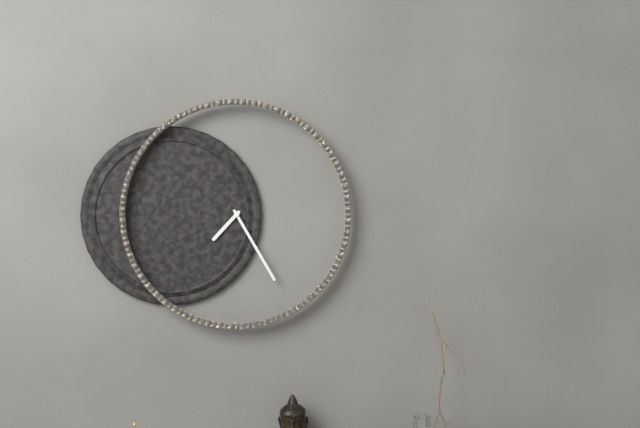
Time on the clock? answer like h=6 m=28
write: h=7 m=25
